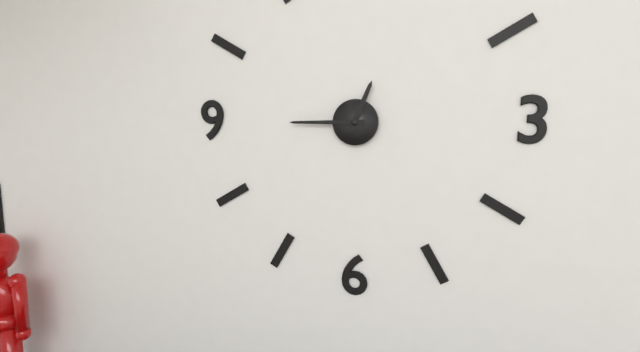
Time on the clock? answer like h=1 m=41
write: h=12 m=45
